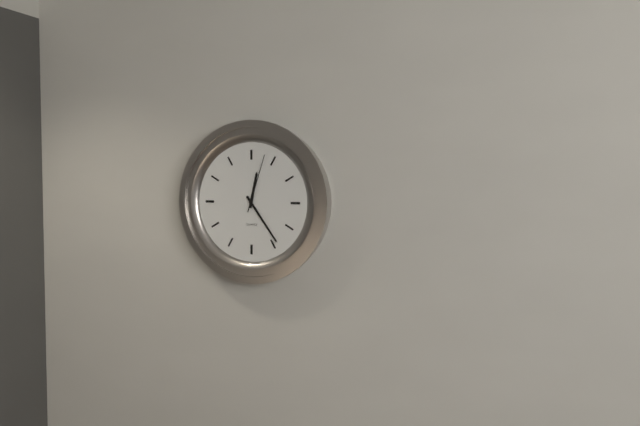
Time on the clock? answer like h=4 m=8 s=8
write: h=12 m=24 s=3
